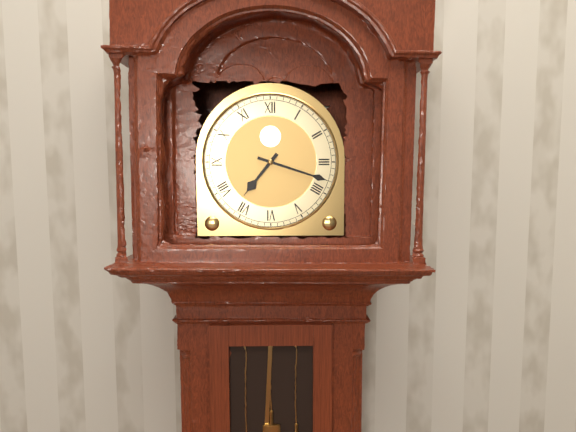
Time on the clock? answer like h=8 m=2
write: h=7 m=18
